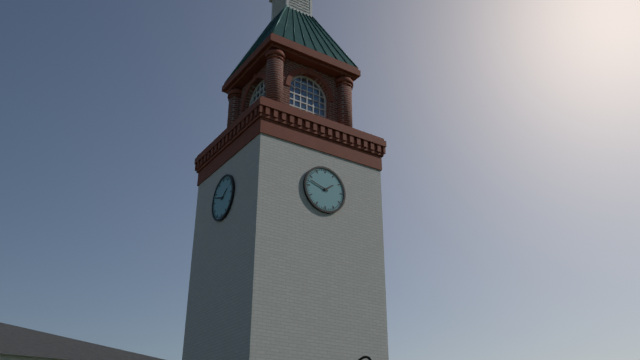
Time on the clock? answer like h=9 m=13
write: h=1 m=48
